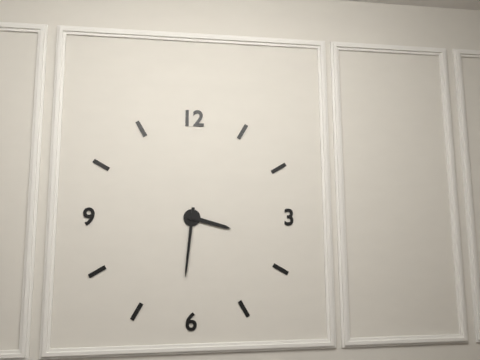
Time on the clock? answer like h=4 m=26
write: h=3 m=31
